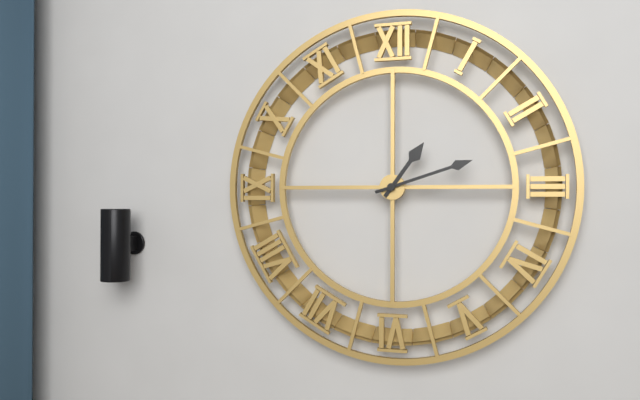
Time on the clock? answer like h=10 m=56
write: h=1 m=12
